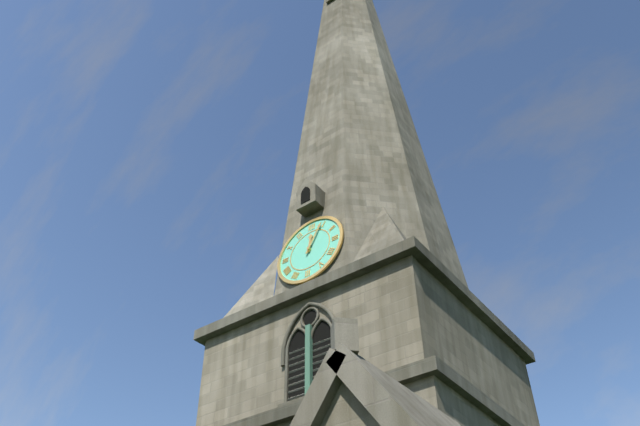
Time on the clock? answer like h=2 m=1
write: h=12 m=4
